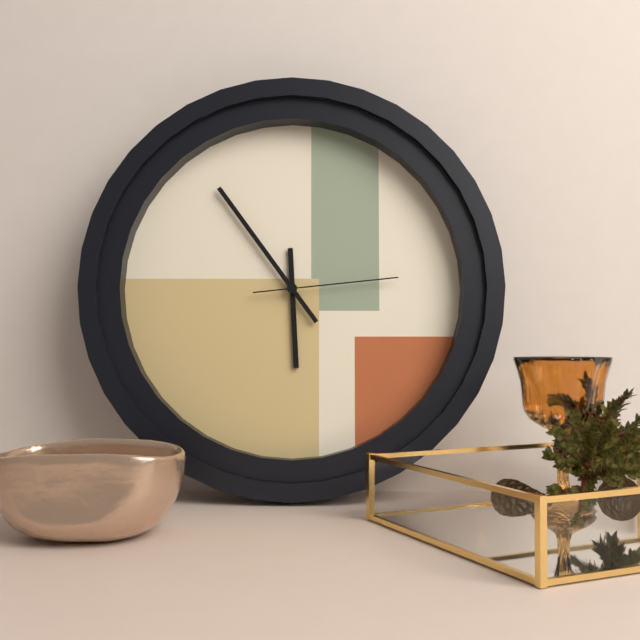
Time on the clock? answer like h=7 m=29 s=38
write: h=5 m=54 s=14
